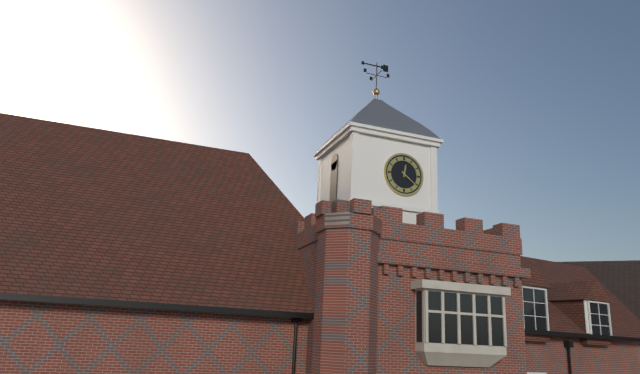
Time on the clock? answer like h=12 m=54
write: h=12 m=21
